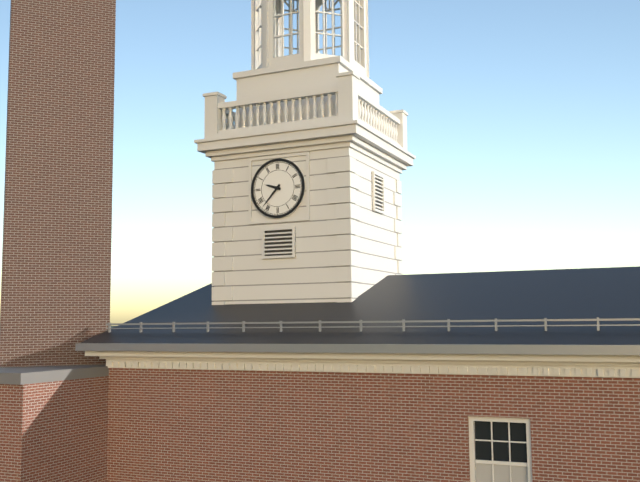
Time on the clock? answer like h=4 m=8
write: h=9 m=37
